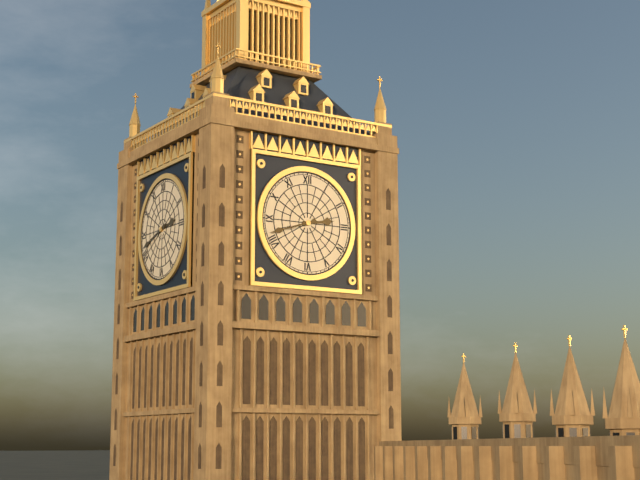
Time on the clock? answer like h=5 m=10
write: h=2 m=42
